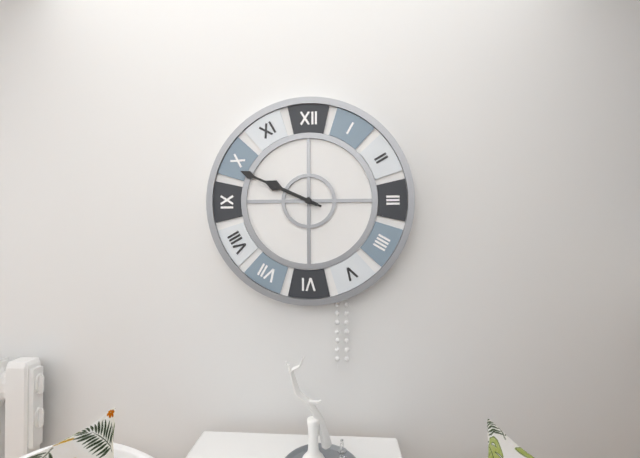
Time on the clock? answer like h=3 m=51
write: h=9 m=49
